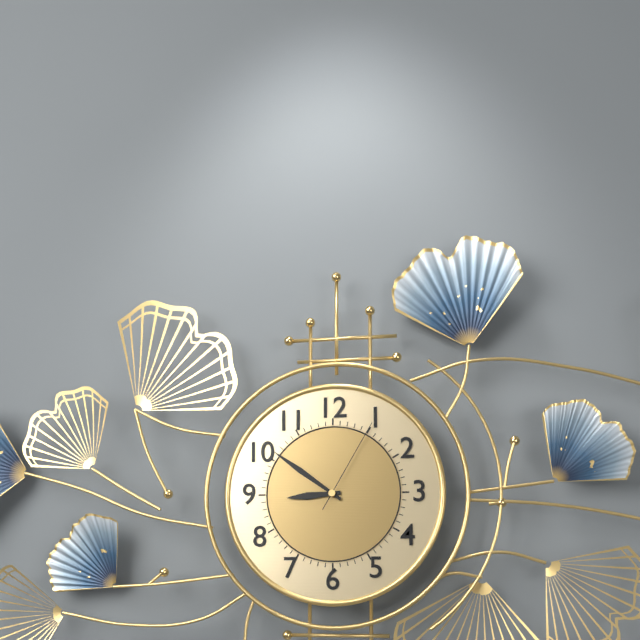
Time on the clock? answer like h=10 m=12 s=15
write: h=8 m=51 s=5
